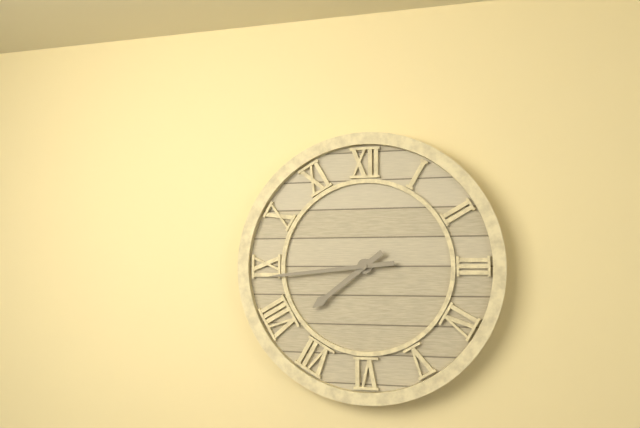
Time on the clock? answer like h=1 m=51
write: h=7 m=44
